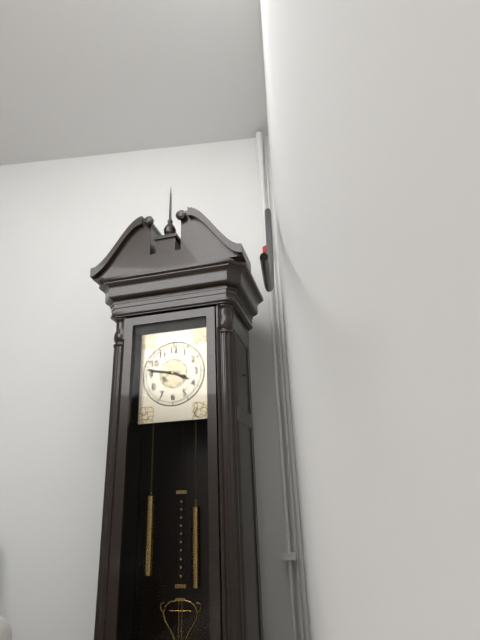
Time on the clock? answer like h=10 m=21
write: h=3 m=47
